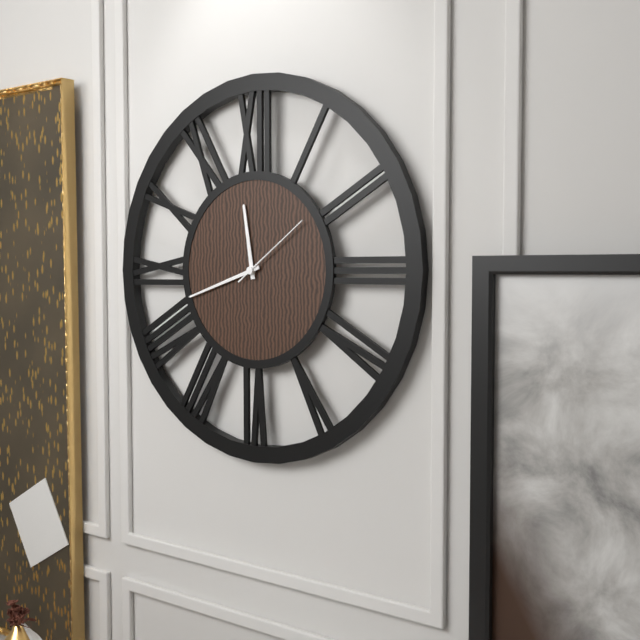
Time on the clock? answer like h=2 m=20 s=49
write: h=11 m=42 s=9
